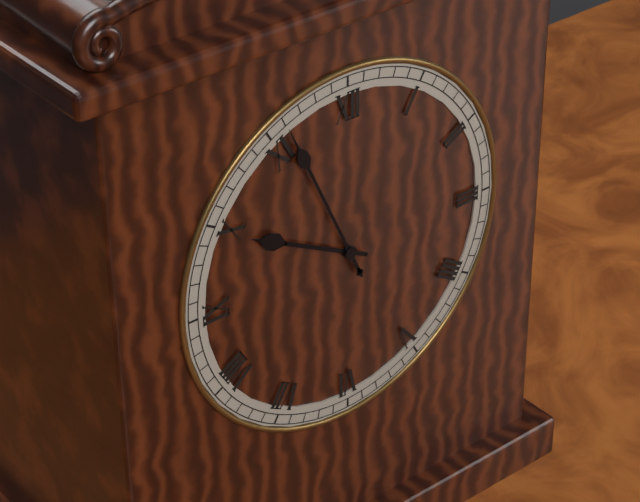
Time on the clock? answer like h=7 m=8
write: h=9 m=56
